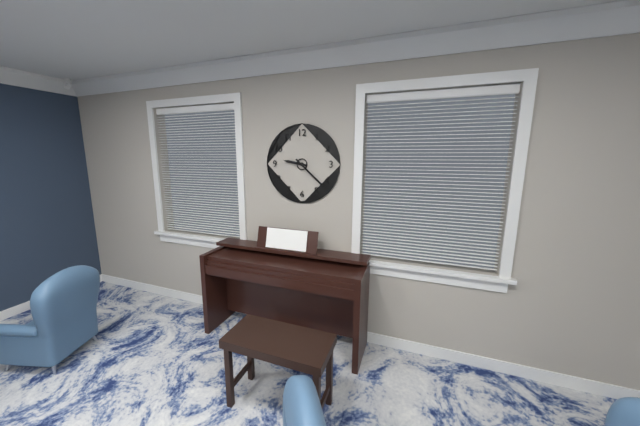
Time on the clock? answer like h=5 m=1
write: h=9 m=22
